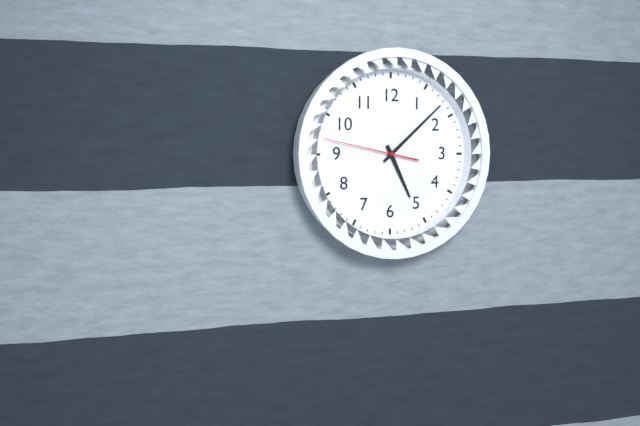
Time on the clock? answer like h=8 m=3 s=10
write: h=5 m=8 s=47
